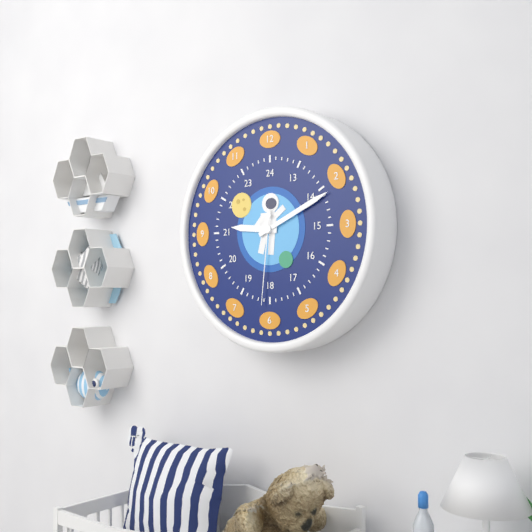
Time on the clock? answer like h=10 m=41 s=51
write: h=9 m=11 s=31
